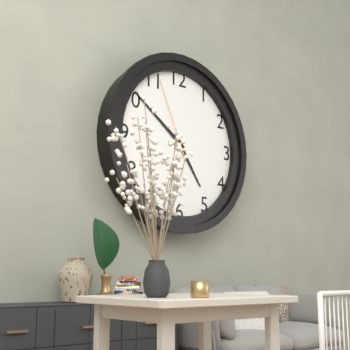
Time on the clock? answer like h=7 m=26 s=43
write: h=4 m=51 s=56
